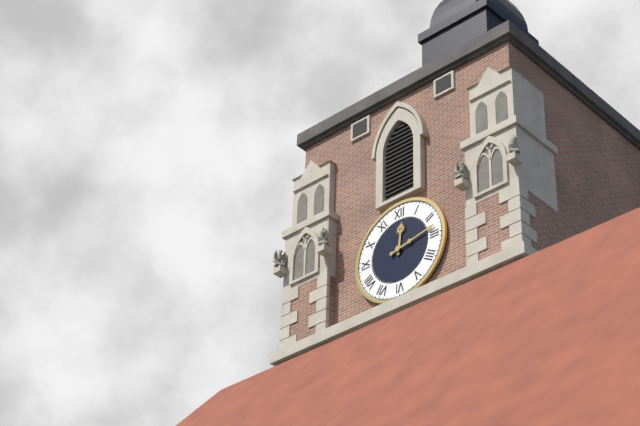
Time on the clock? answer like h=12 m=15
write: h=12 m=13
